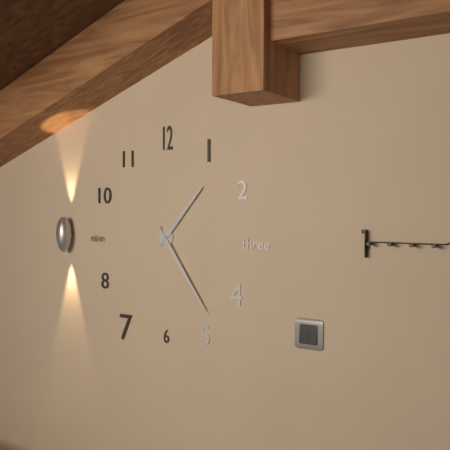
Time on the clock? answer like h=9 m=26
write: h=1 m=24
